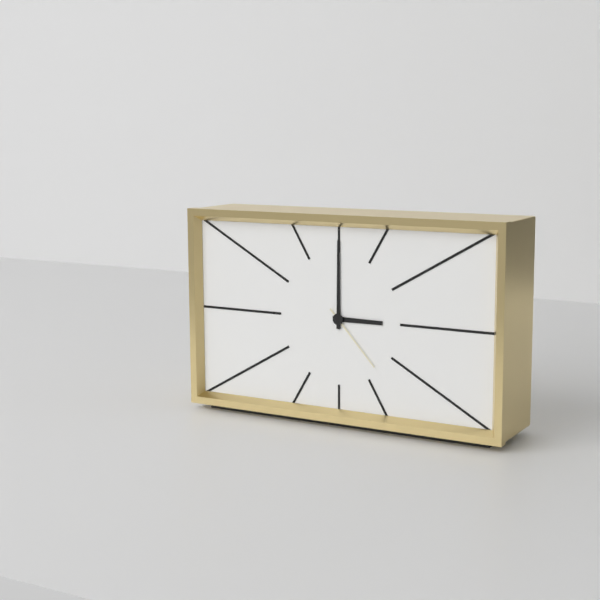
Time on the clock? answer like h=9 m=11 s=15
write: h=3 m=0 s=23
